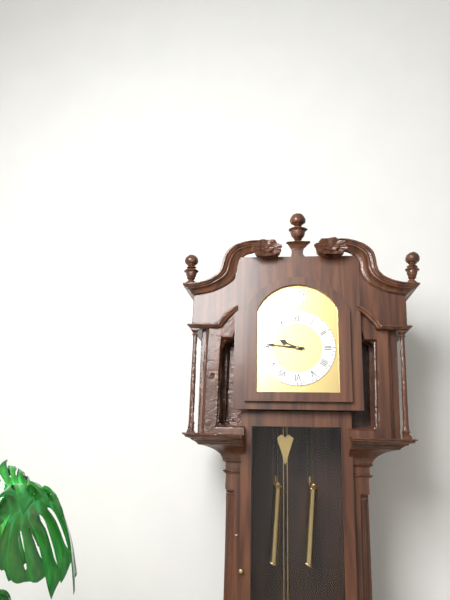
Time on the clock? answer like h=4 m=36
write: h=9 m=46
